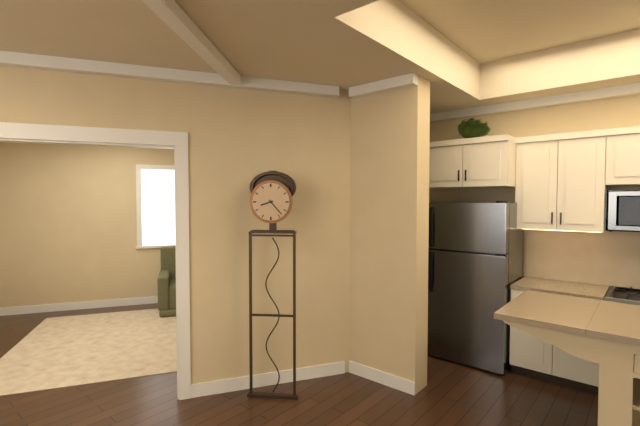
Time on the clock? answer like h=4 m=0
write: h=8 m=23
